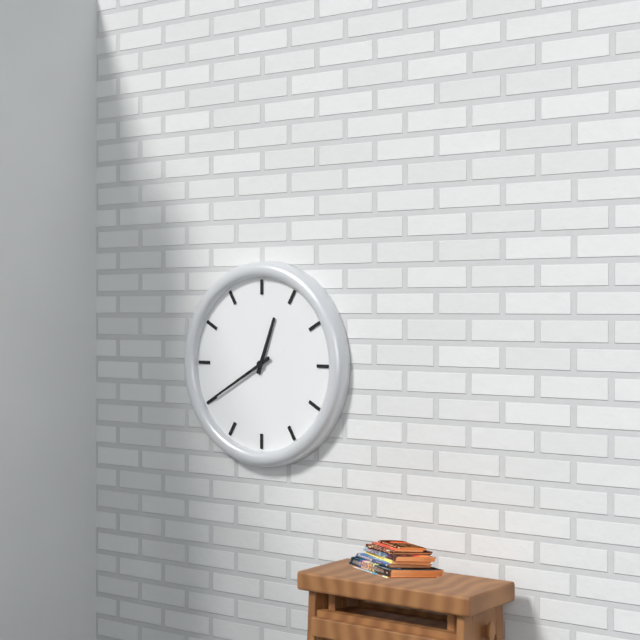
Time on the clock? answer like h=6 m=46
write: h=12 m=40
